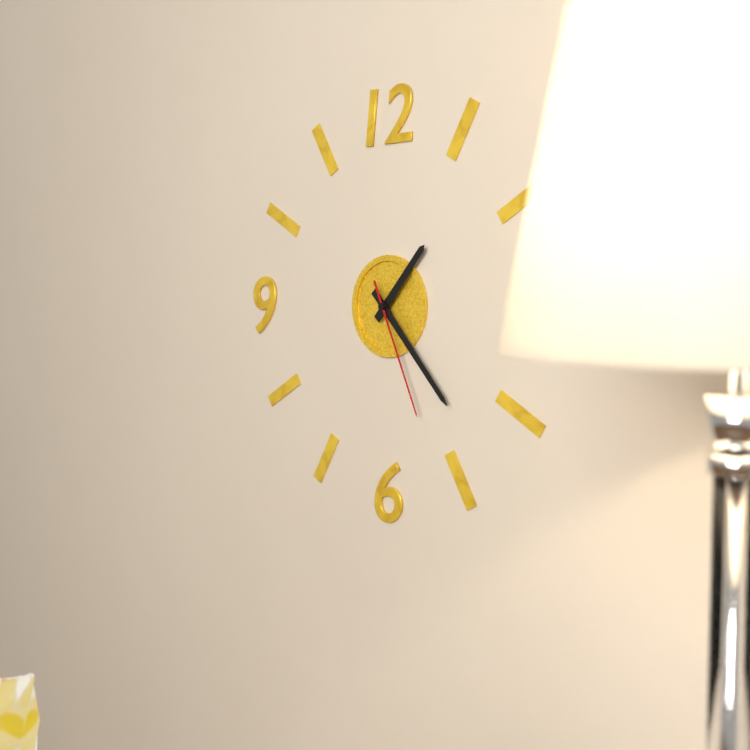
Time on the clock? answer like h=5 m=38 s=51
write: h=1 m=23 s=26
